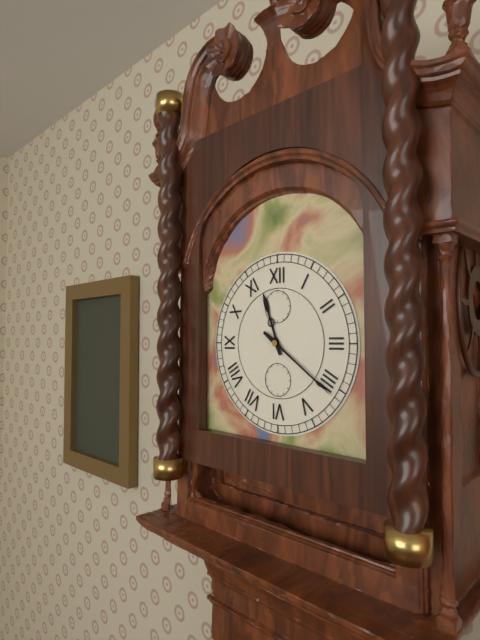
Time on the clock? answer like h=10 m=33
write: h=11 m=21
